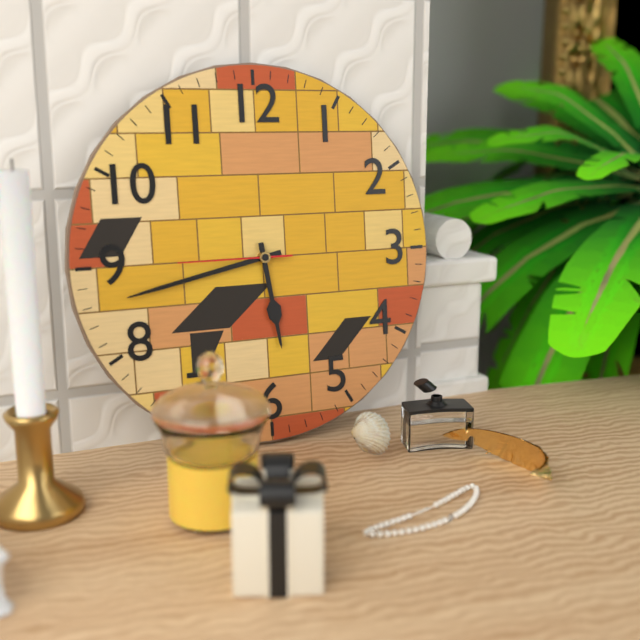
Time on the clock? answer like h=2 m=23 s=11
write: h=5 m=43 s=45
